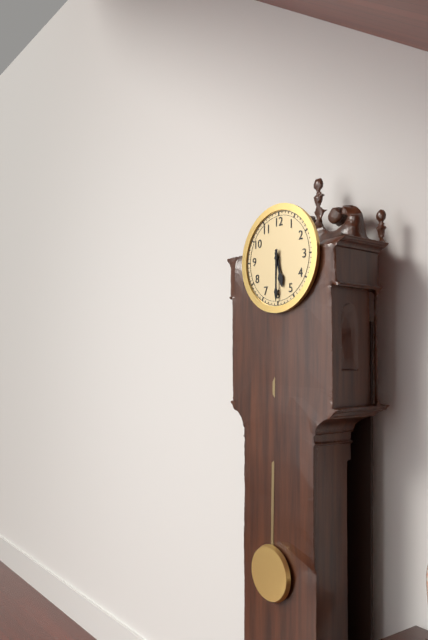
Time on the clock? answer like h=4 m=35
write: h=5 m=30
